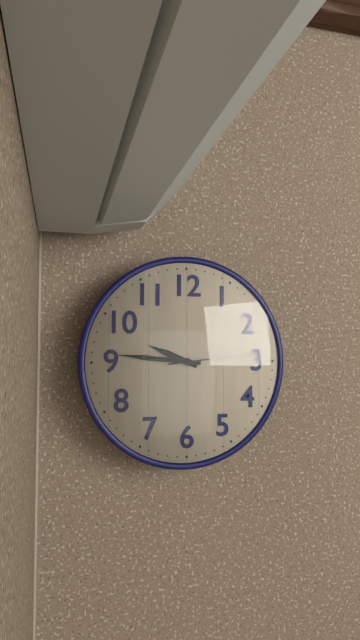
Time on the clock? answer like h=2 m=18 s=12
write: h=9 m=46 s=14
